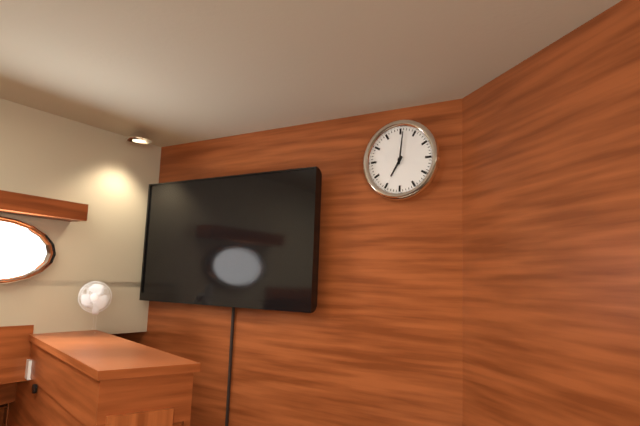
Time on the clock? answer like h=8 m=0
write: h=7 m=1
